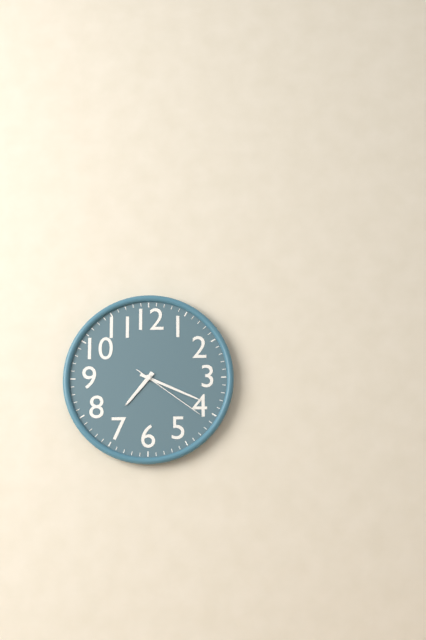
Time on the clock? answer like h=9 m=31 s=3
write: h=7 m=19 s=21
